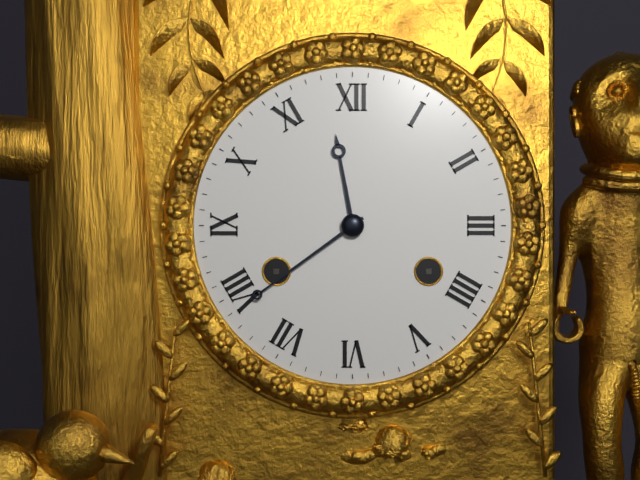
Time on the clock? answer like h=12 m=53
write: h=11 m=39
